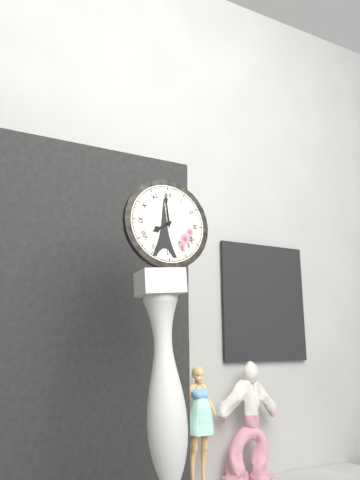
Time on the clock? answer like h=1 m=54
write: h=7 m=59
